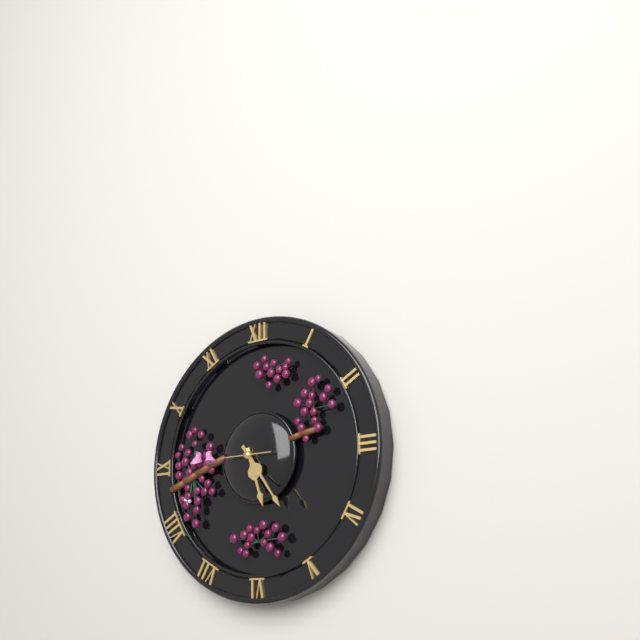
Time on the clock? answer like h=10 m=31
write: h=5 m=24
